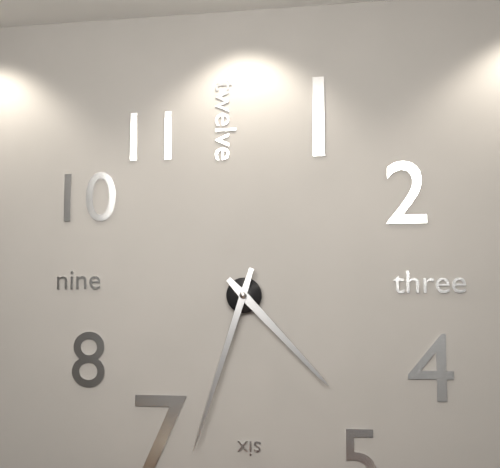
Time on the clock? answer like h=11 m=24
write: h=4 m=33
